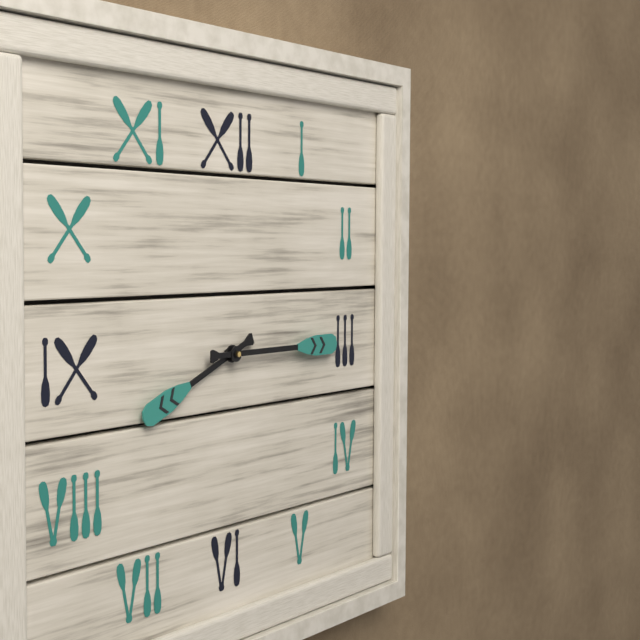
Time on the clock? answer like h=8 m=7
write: h=8 m=15
